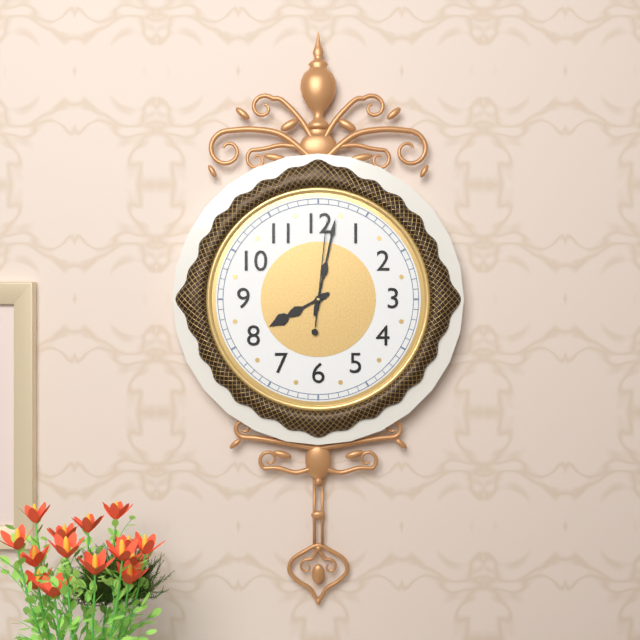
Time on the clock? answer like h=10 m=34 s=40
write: h=8 m=2 s=1
